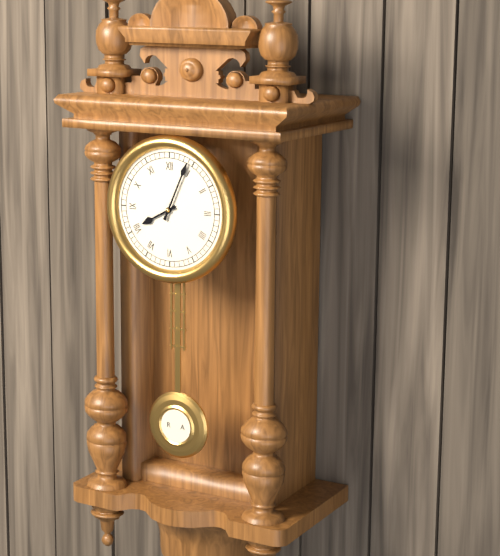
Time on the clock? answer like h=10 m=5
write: h=8 m=4
